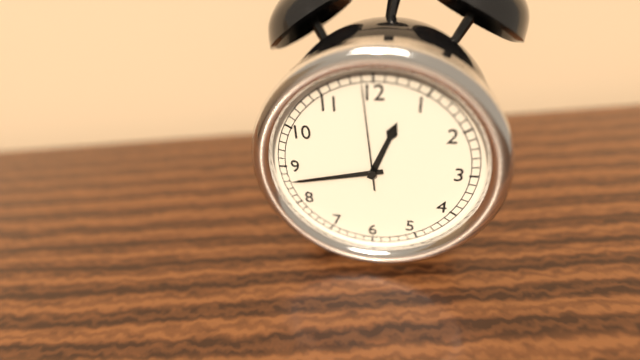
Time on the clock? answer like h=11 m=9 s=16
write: h=12 m=43 s=59
